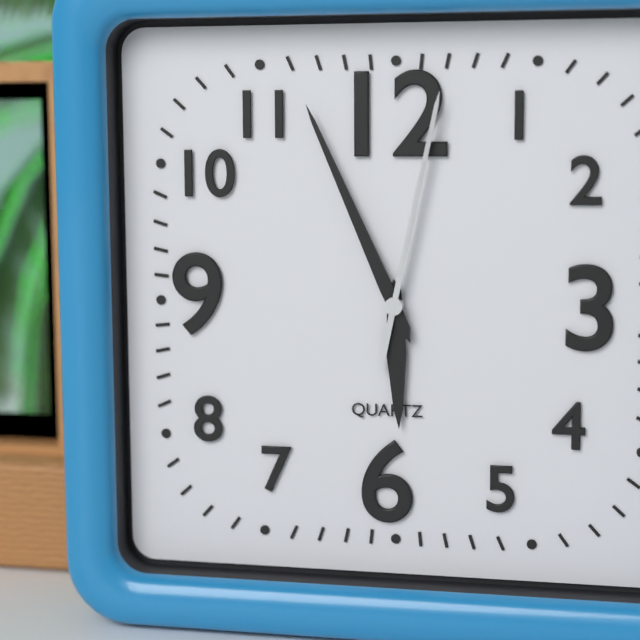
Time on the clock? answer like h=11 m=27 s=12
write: h=5 m=56 s=2
